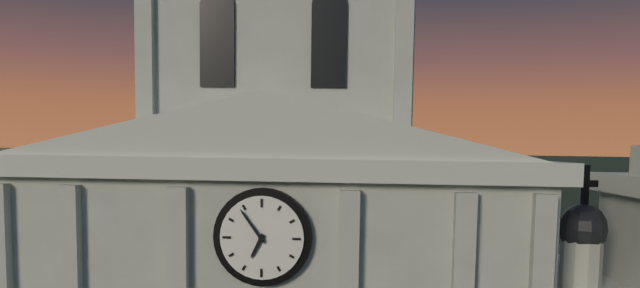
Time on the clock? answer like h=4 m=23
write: h=6 m=54
